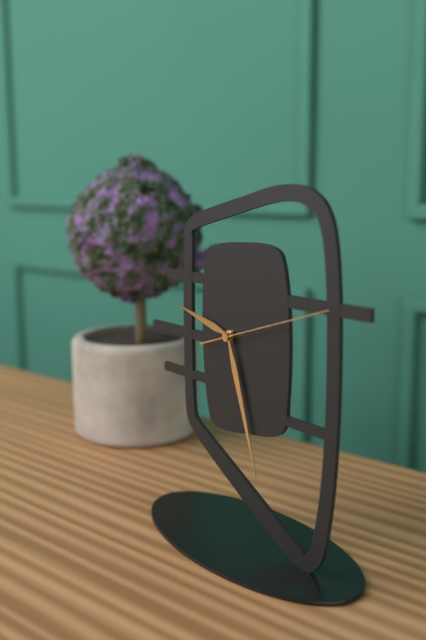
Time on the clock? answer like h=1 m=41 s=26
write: h=9 m=27 s=12
